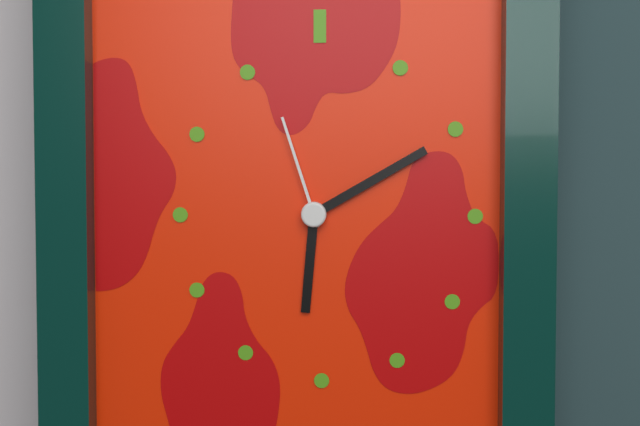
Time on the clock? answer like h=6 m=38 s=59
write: h=6 m=10 s=57
